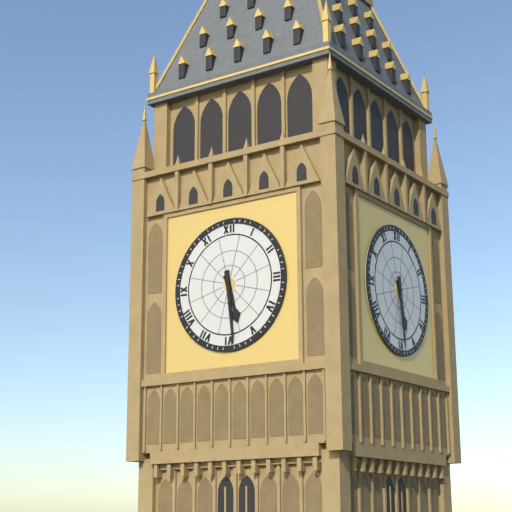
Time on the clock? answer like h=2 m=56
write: h=5 m=29
